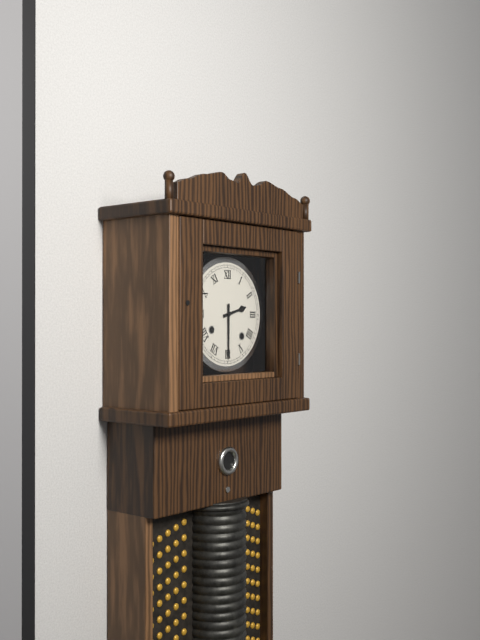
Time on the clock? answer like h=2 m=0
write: h=2 m=30
